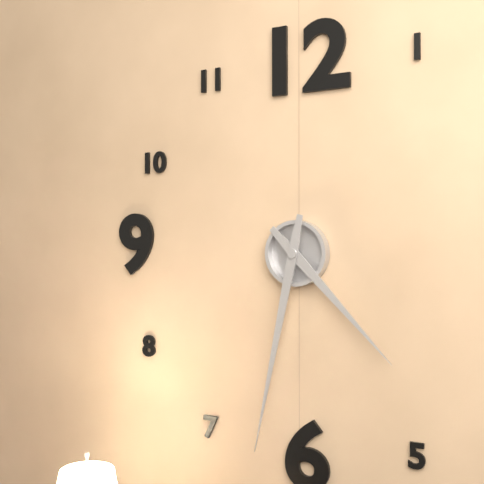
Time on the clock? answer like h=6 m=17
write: h=4 m=32
